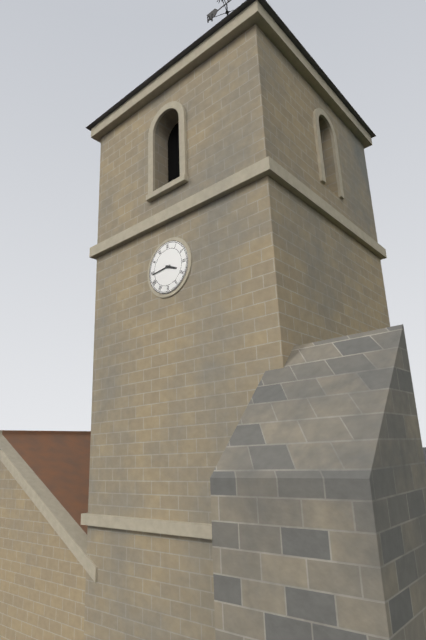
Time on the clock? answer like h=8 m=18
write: h=3 m=44
